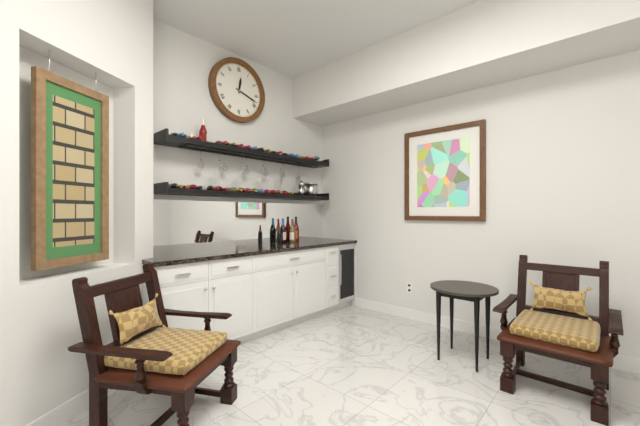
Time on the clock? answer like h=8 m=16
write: h=12 m=18
